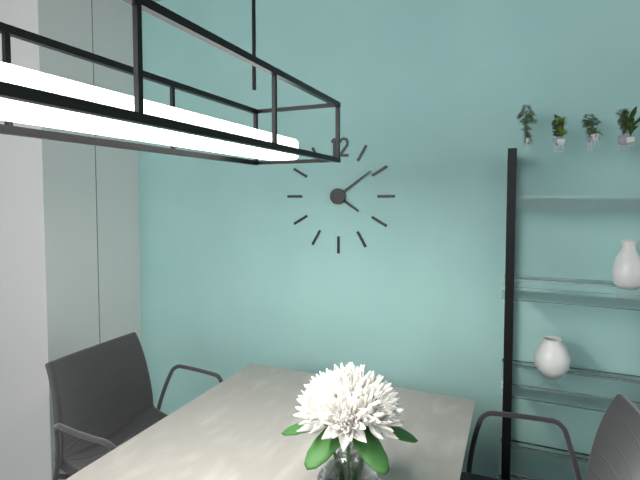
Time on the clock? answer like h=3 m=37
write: h=4 m=9
